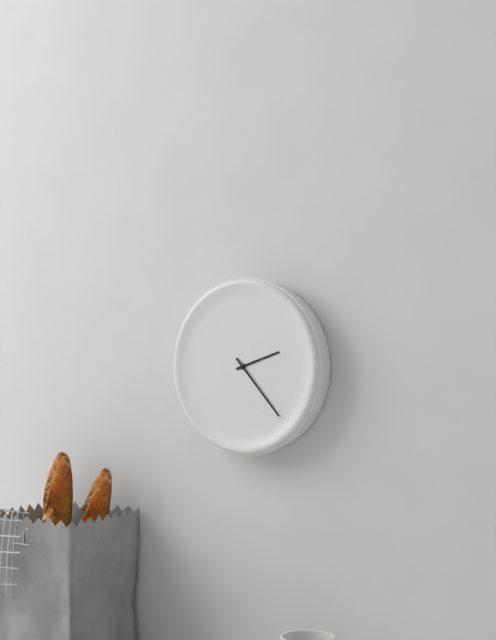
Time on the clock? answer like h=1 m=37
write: h=2 m=23
